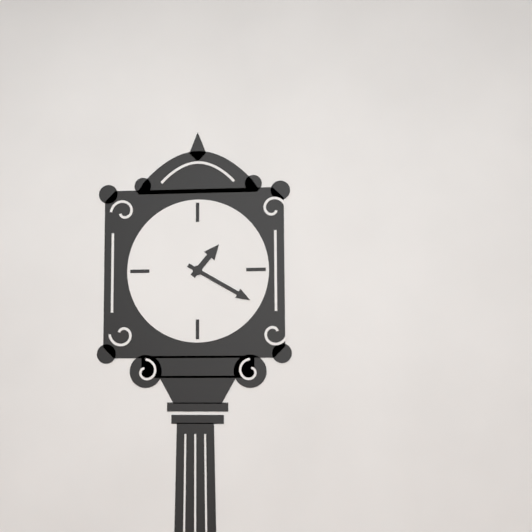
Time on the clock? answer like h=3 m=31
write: h=1 m=20
